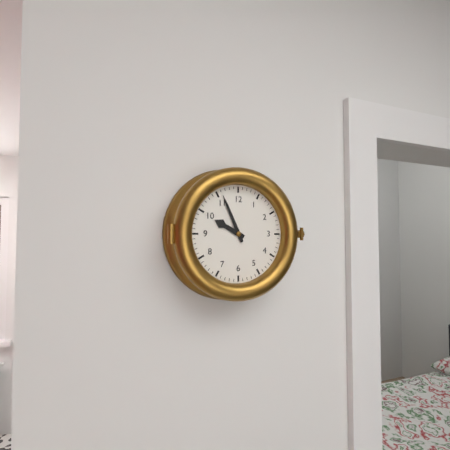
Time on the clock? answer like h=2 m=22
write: h=9 m=56
